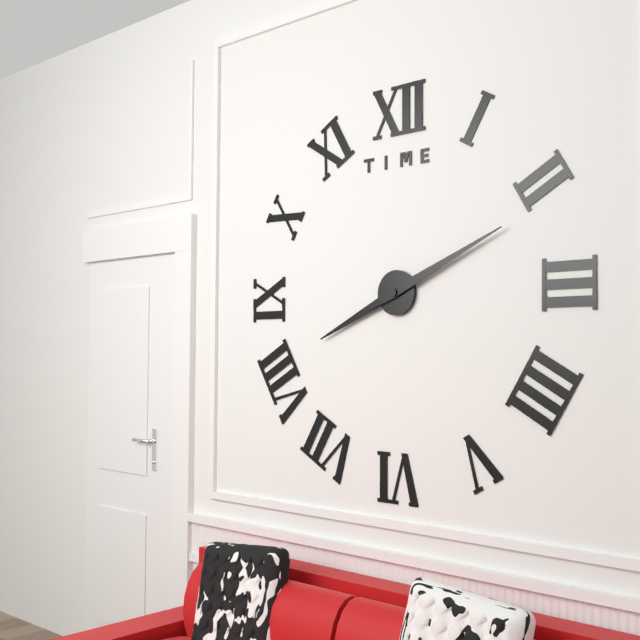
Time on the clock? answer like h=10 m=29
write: h=8 m=11
